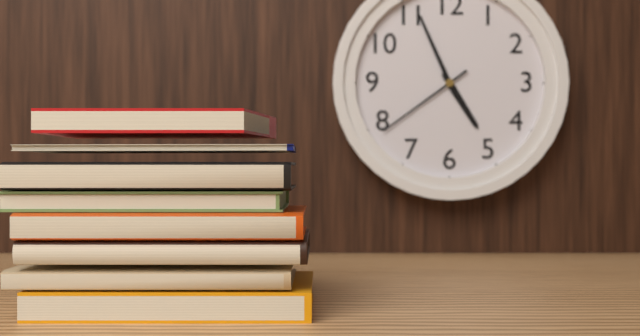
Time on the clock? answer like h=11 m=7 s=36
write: h=4 m=56 s=39
